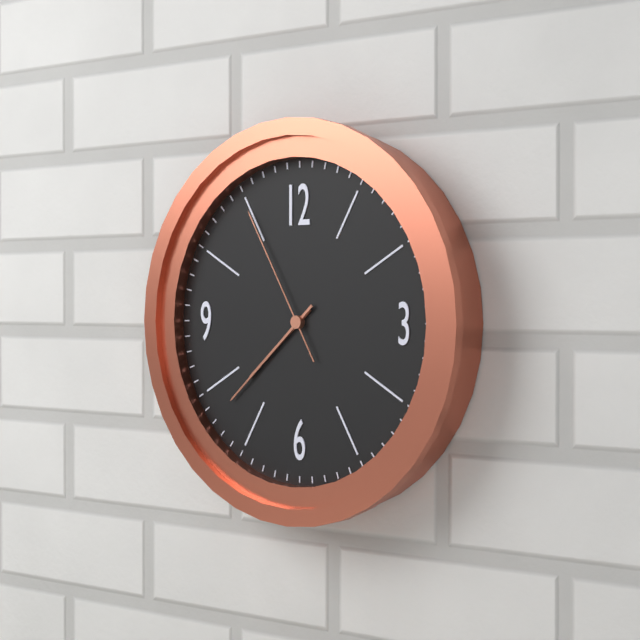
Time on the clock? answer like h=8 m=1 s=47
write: h=7 m=38 s=55
